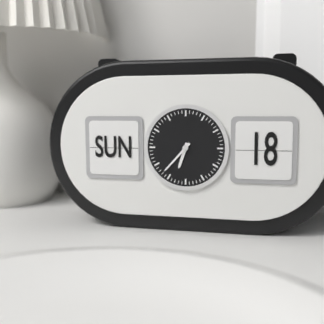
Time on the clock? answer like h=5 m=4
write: h=6 m=37
